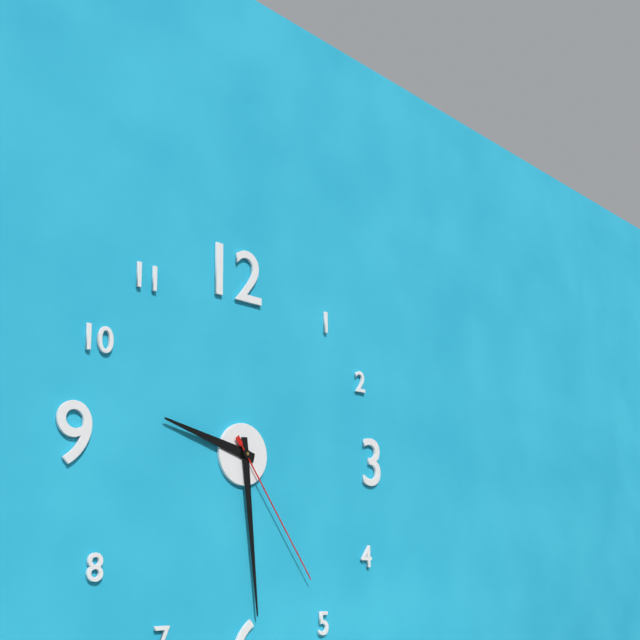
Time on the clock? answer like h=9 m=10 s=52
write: h=9 m=29 s=24
